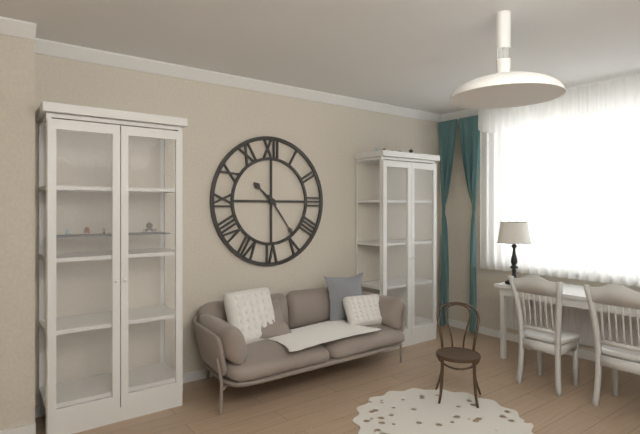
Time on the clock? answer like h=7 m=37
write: h=10 m=24
